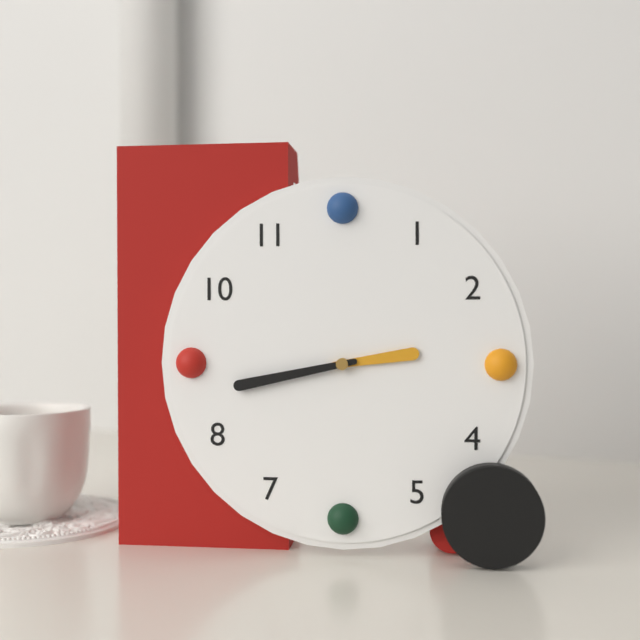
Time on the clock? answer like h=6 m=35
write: h=2 m=43
